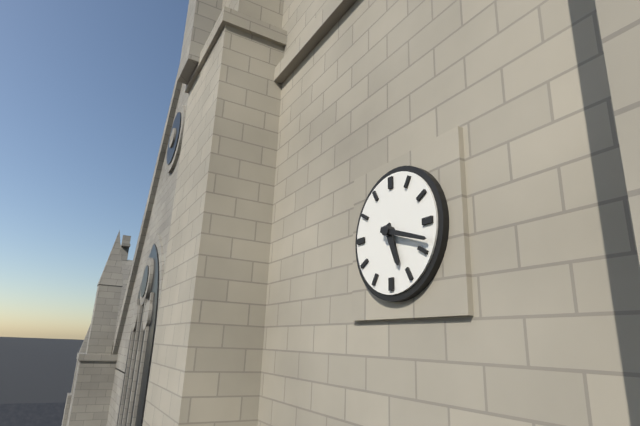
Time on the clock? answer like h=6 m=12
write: h=5 m=18
